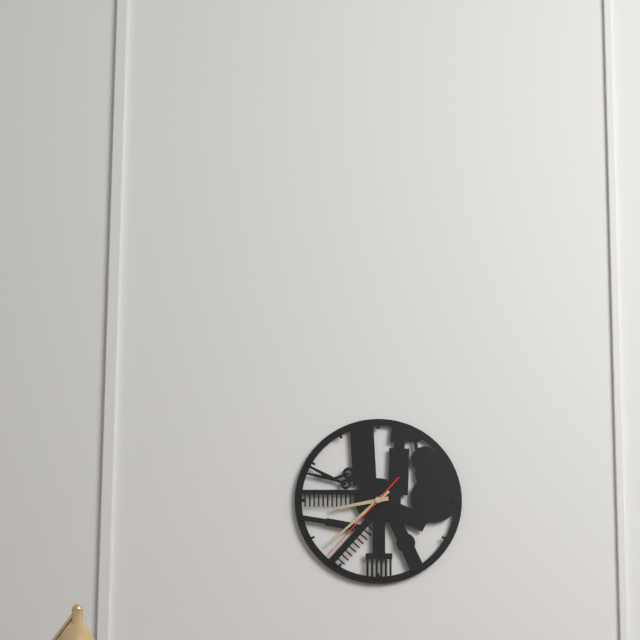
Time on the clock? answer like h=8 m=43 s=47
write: h=8 m=38 s=37
